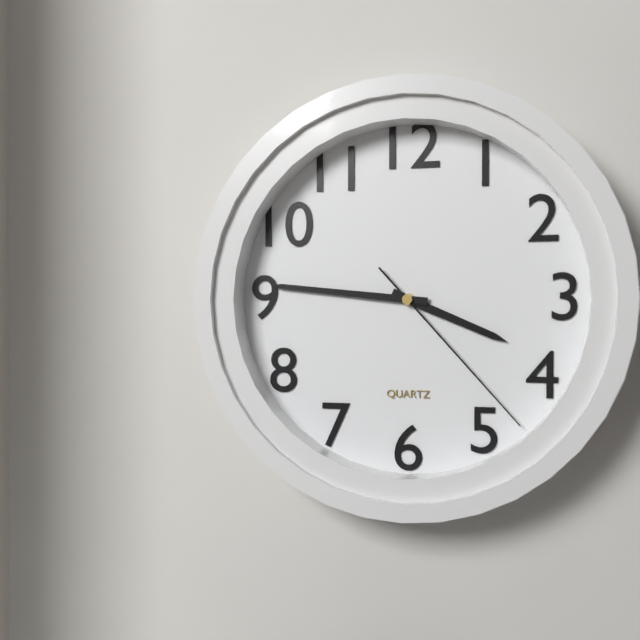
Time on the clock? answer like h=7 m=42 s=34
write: h=3 m=46 s=23
